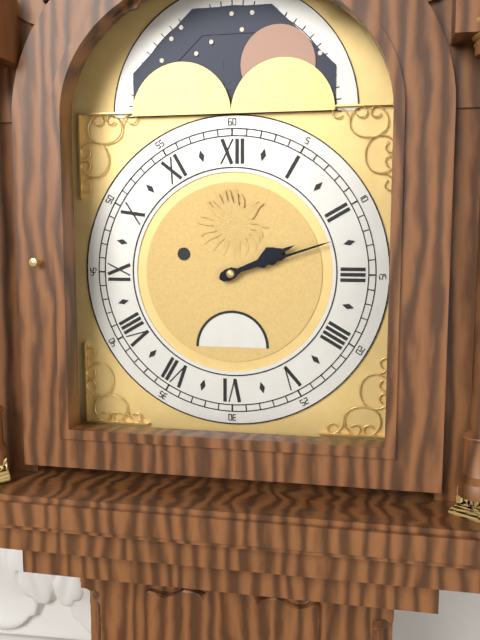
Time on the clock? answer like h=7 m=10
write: h=2 m=12
